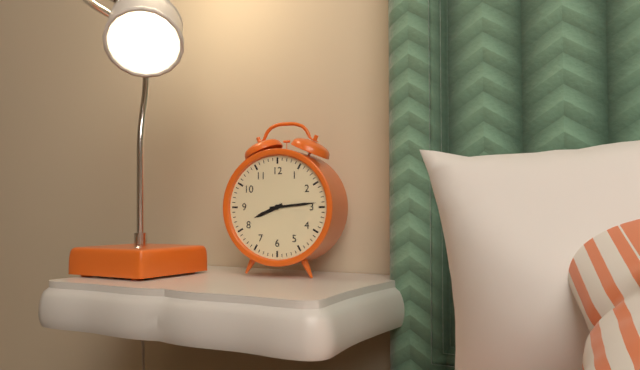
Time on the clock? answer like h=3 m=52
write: h=8 m=14
